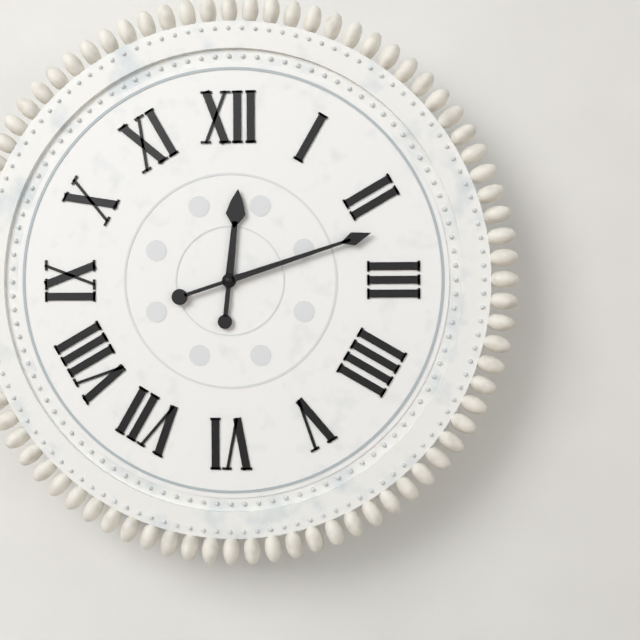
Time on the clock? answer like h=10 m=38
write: h=12 m=12
